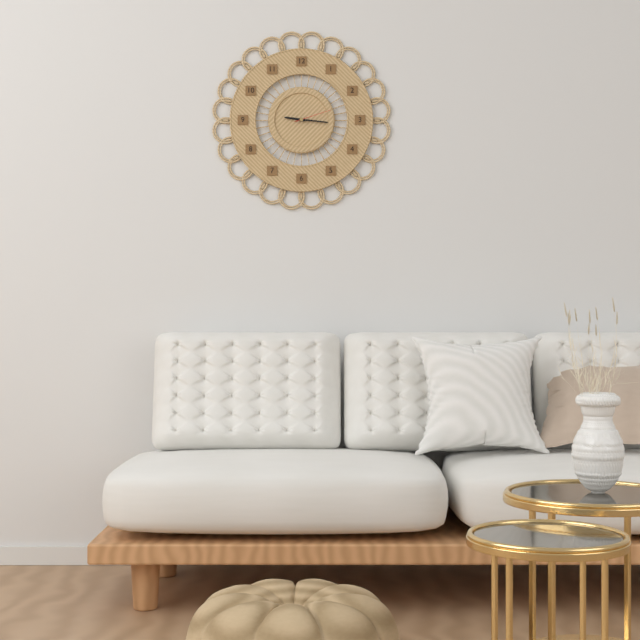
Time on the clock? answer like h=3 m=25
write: h=9 m=16
